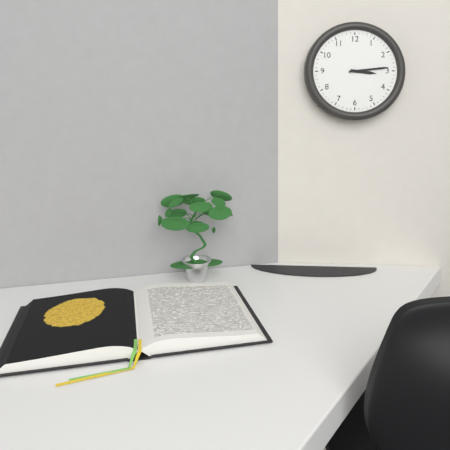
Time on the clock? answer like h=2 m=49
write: h=3 m=14
